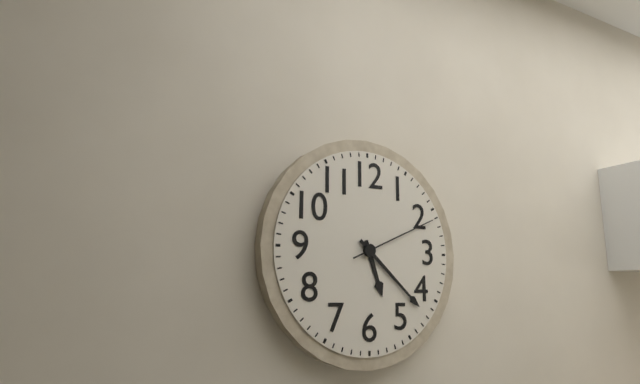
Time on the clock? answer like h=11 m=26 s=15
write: h=5 m=22 s=11
